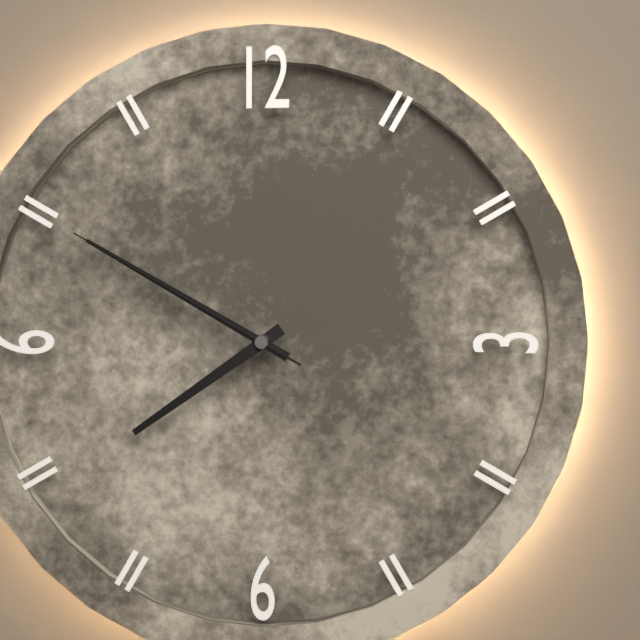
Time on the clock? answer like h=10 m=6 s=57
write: h=7 m=50 s=50
